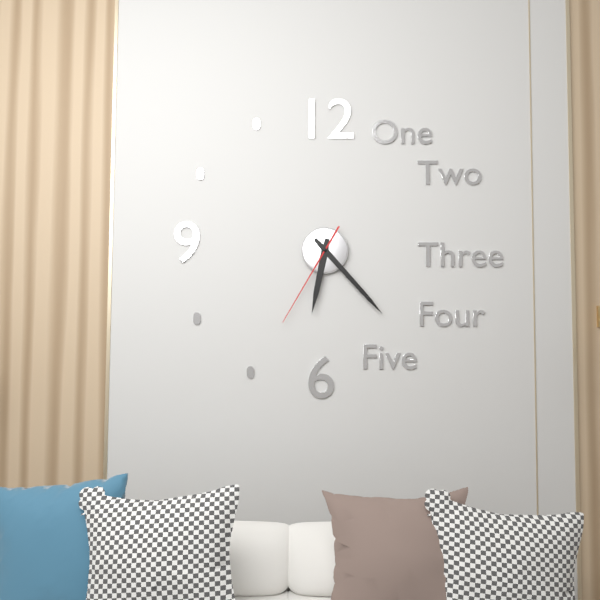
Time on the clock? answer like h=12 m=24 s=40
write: h=6 m=23 s=35
